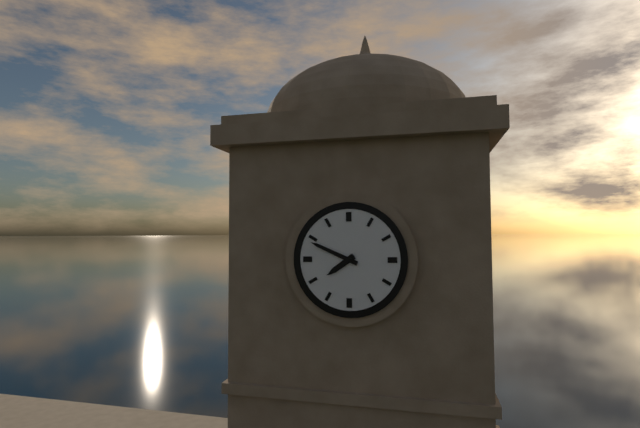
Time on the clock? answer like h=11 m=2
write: h=7 m=49
